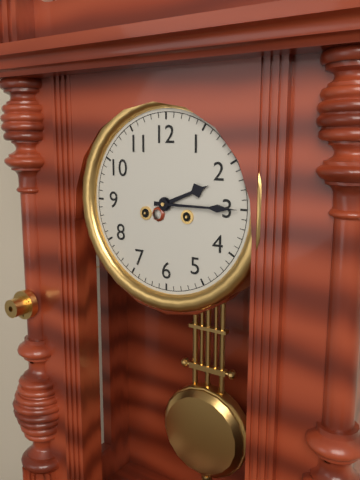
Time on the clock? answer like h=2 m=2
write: h=2 m=15
